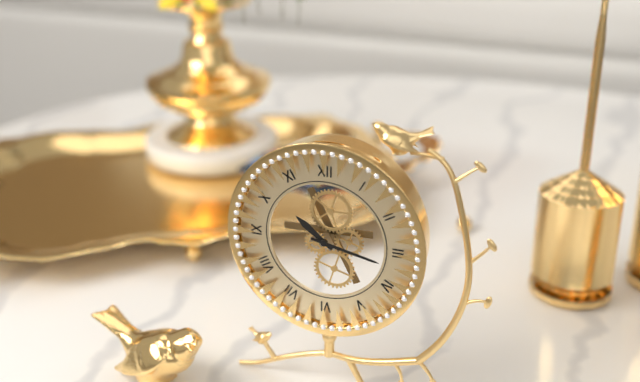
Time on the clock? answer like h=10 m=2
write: h=10 m=17
